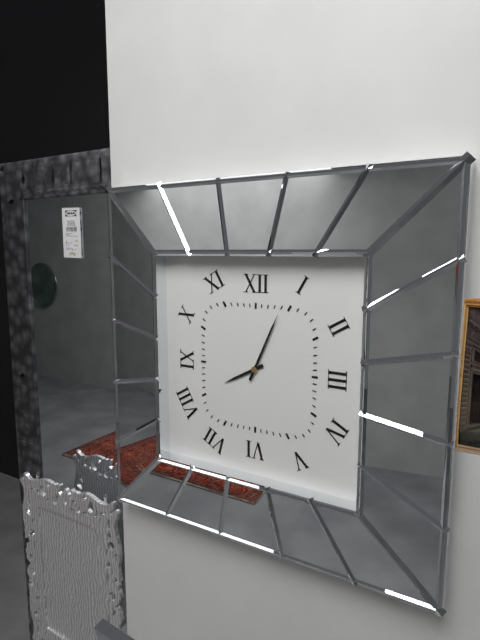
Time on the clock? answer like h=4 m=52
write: h=8 m=4
